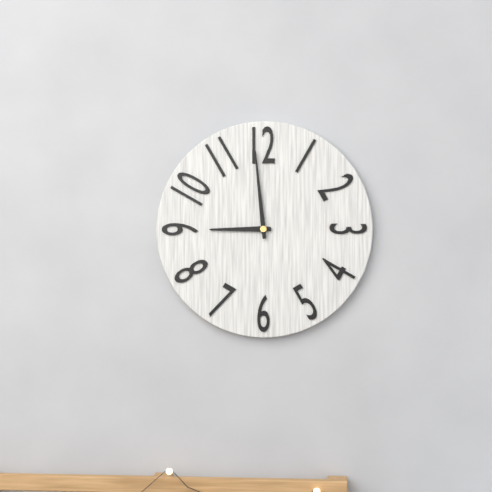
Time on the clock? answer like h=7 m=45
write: h=8 m=59
